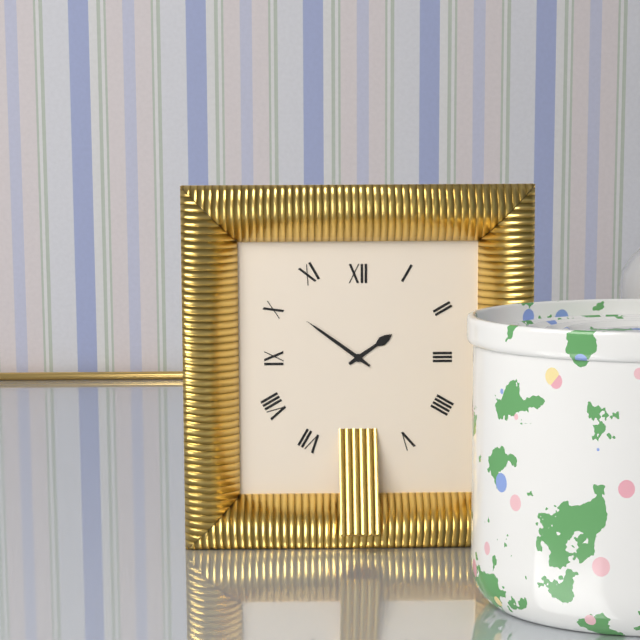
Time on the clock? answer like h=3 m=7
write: h=1 m=51
